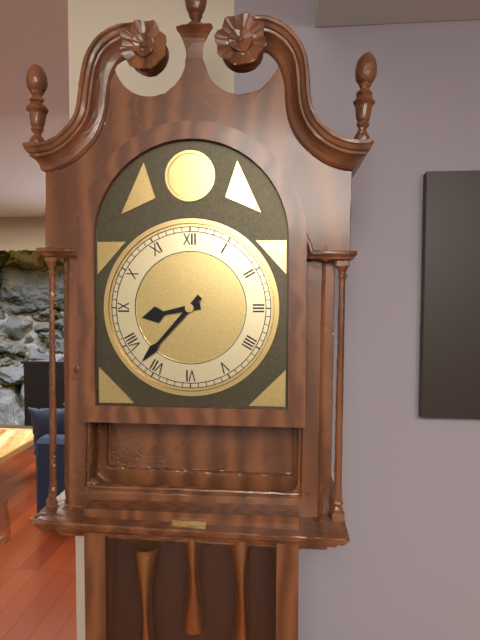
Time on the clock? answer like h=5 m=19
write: h=8 m=37
